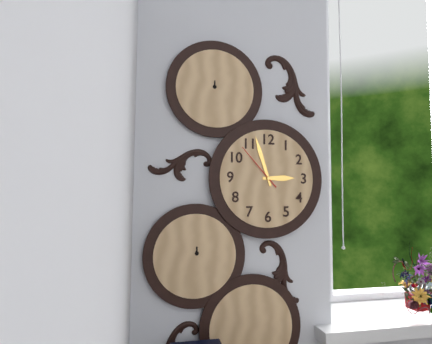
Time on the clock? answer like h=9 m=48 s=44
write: h=2 m=57 s=53
